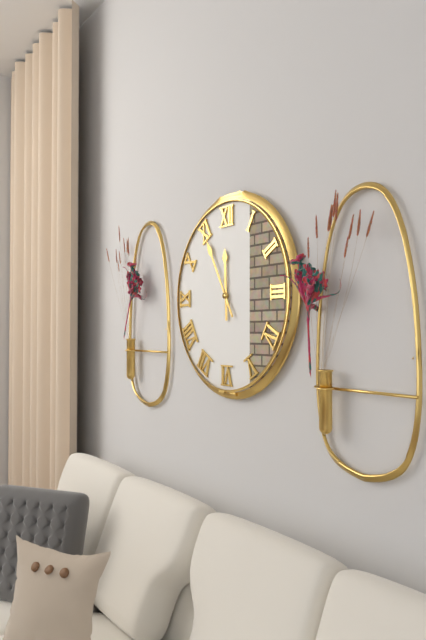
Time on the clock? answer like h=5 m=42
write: h=11 m=55
